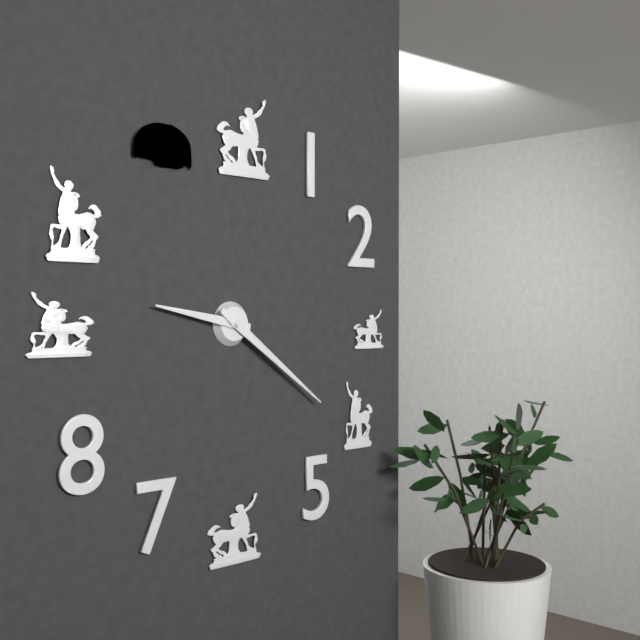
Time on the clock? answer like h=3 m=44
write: h=9 m=21
